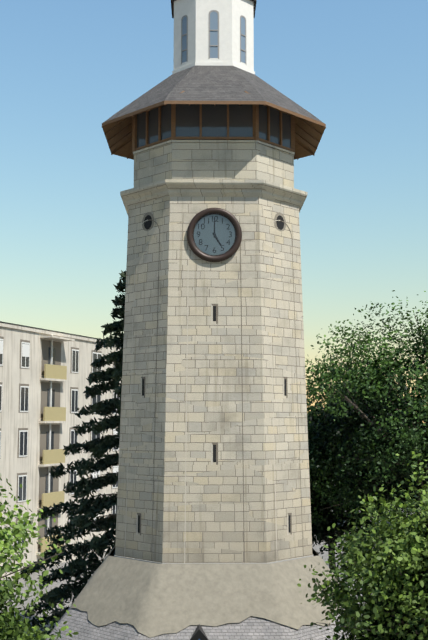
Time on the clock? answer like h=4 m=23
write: h=5 m=0
